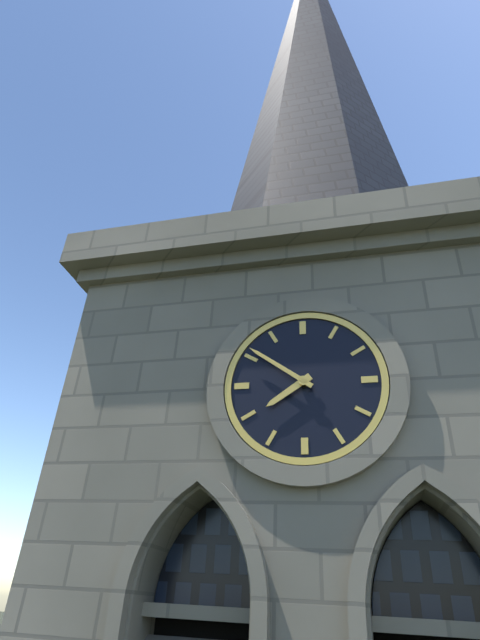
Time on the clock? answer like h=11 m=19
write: h=7 m=51
